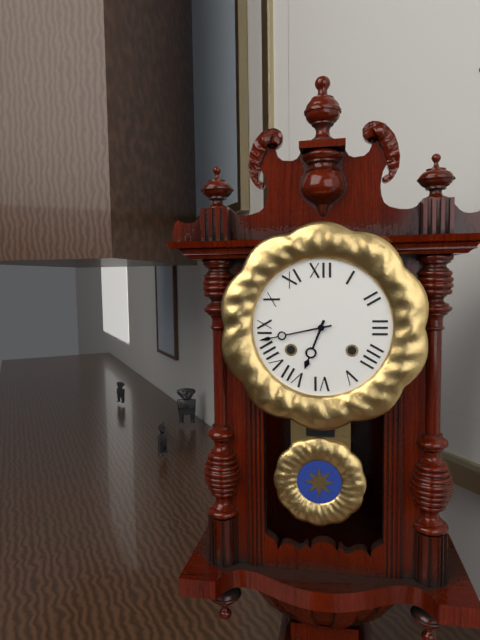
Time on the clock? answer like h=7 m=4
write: h=6 m=43
